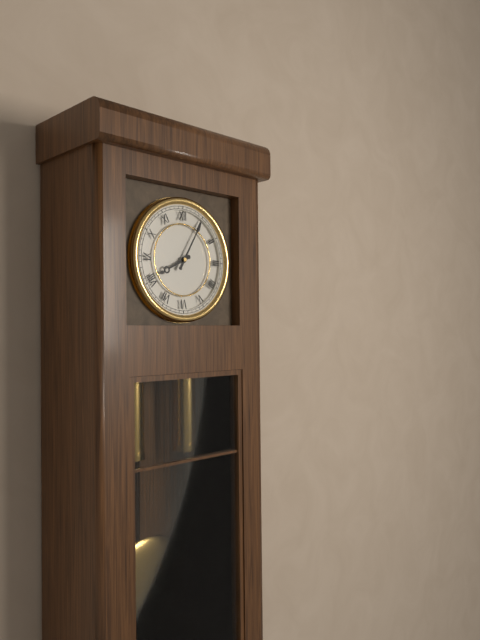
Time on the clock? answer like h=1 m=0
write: h=8 m=5
